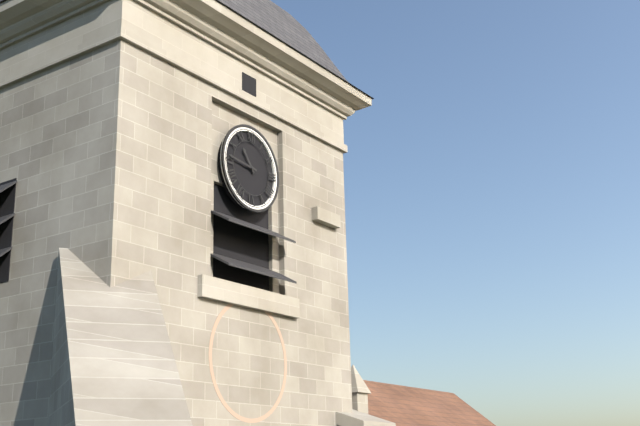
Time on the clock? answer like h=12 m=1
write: h=10 m=46
